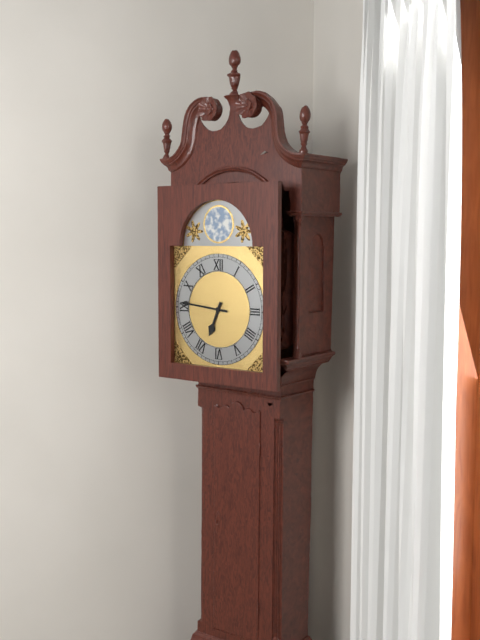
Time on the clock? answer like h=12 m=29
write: h=6 m=46
